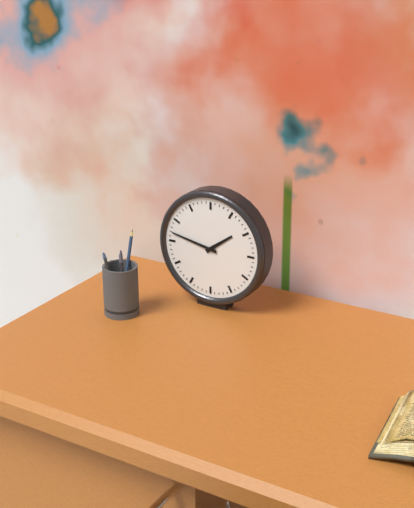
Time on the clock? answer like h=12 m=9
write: h=1 m=47
